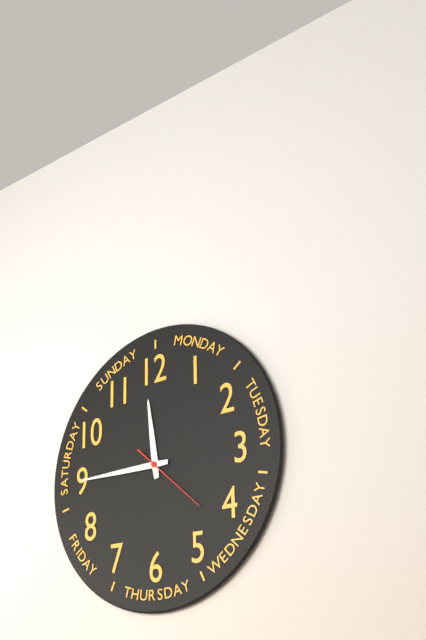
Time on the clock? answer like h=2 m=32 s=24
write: h=11 m=45 s=22
